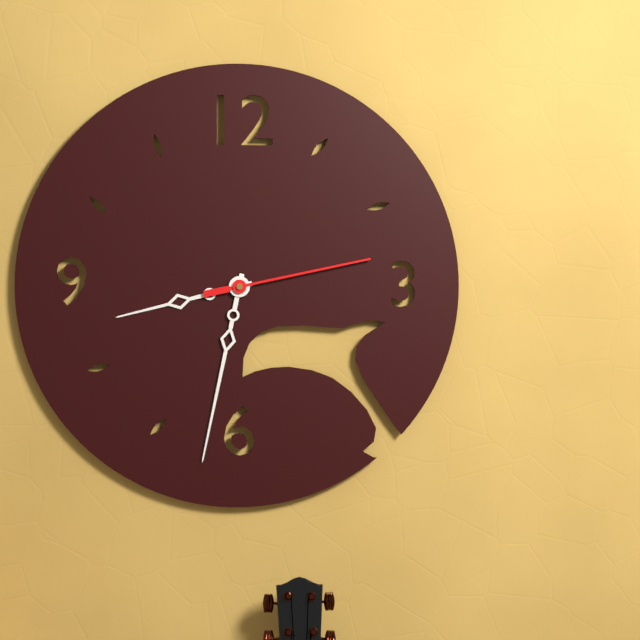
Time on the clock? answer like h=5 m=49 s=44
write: h=8 m=32 s=13
